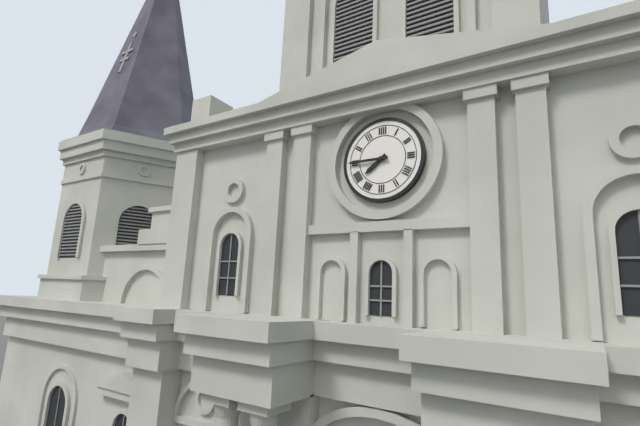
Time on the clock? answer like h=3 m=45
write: h=7 m=45
